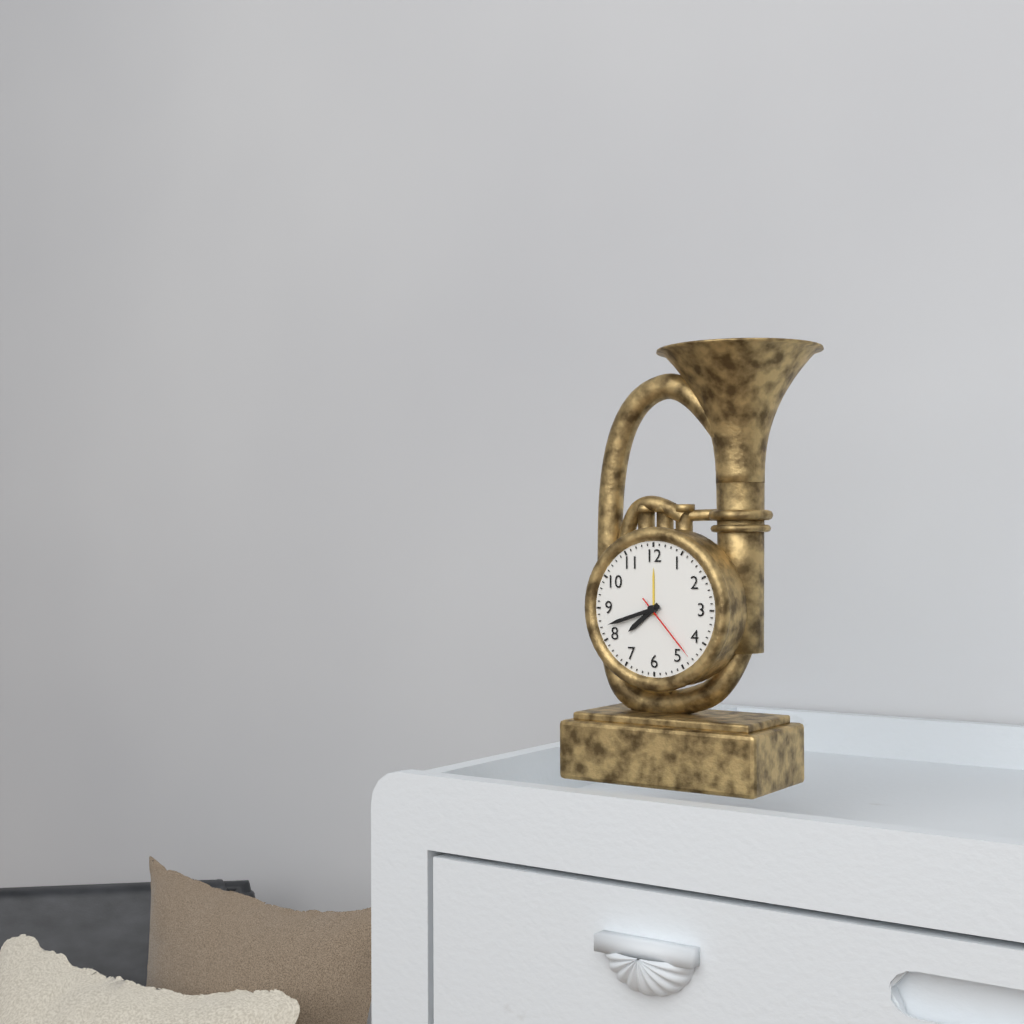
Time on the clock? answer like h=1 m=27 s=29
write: h=7 m=42 s=23
